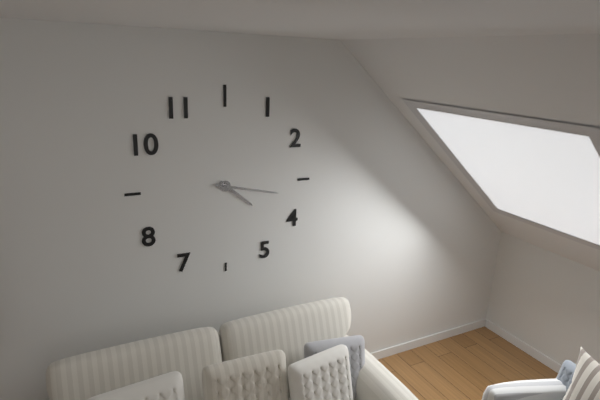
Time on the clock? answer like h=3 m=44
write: h=4 m=17
